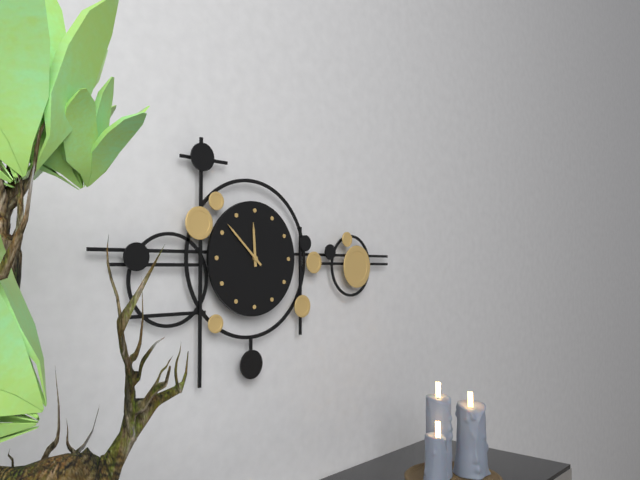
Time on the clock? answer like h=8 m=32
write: h=11 m=52
